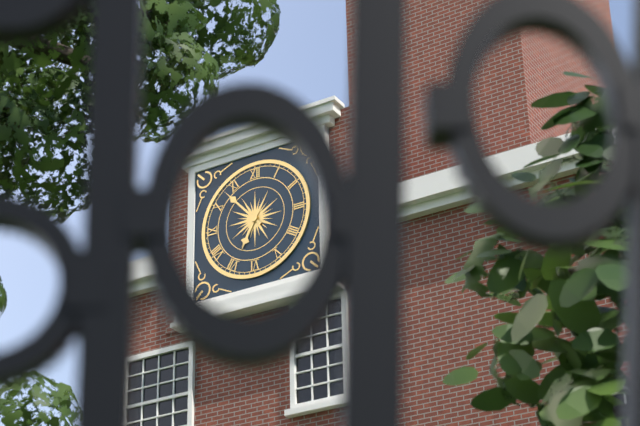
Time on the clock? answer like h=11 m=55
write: h=6 m=53
